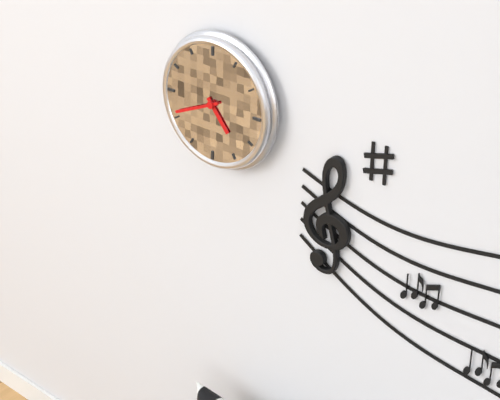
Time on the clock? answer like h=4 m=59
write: h=4 m=41
